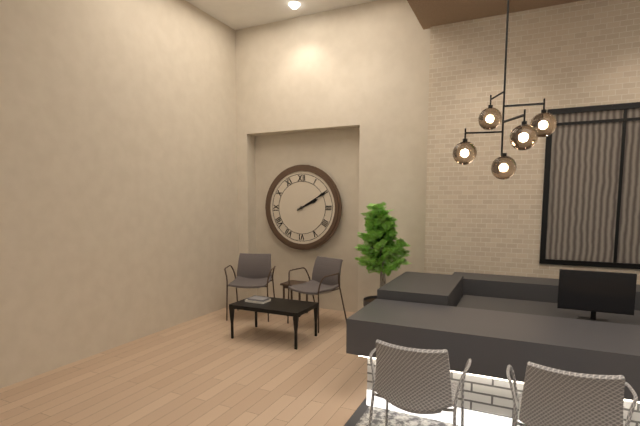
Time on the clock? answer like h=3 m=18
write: h=2 m=10
